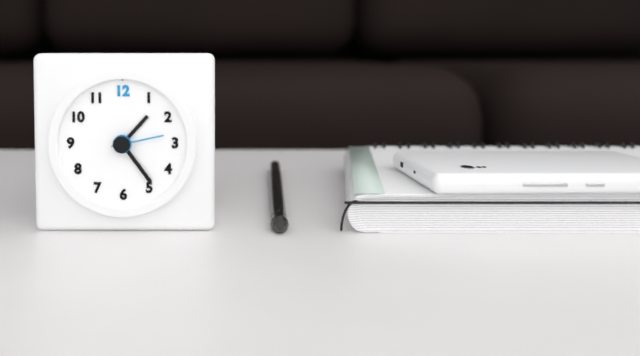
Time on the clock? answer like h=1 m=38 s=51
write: h=1 m=24 s=13
